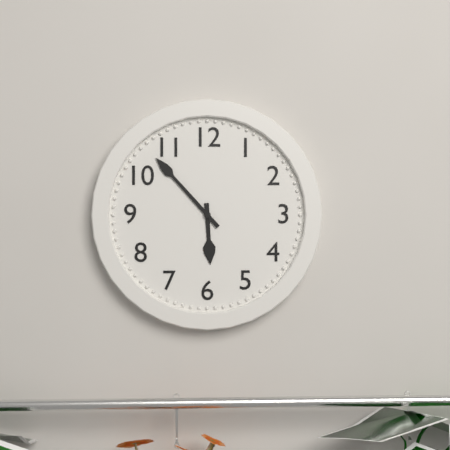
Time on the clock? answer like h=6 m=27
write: h=5 m=53
